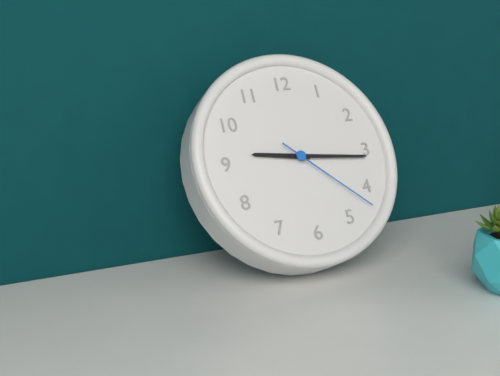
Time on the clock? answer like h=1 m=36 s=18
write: h=9 m=16 s=22
